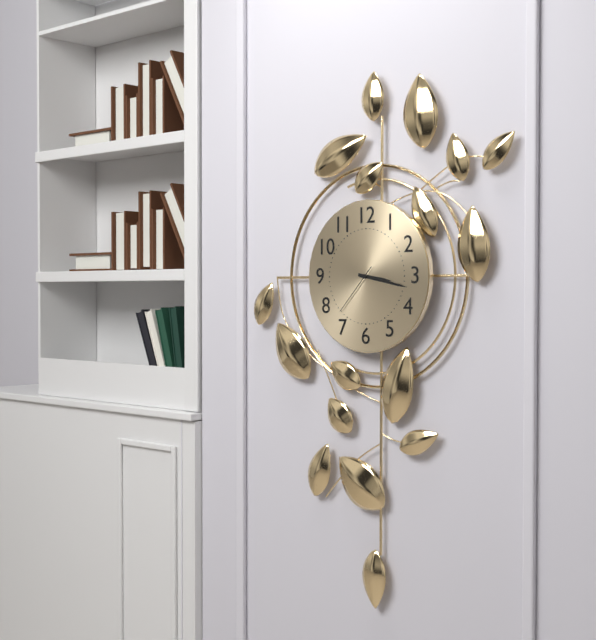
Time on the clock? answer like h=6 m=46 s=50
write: h=3 m=17 s=37
